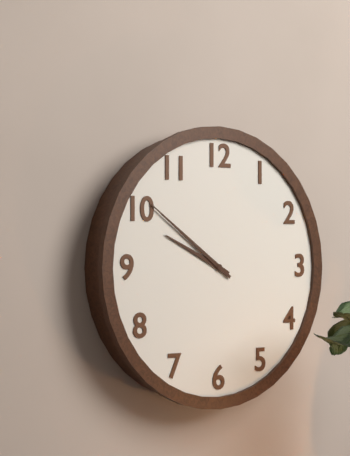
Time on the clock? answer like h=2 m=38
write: h=9 m=51
